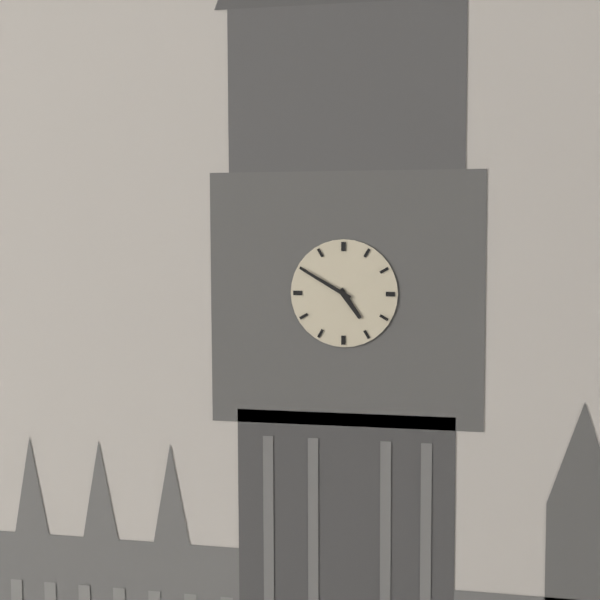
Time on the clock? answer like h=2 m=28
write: h=4 m=50
